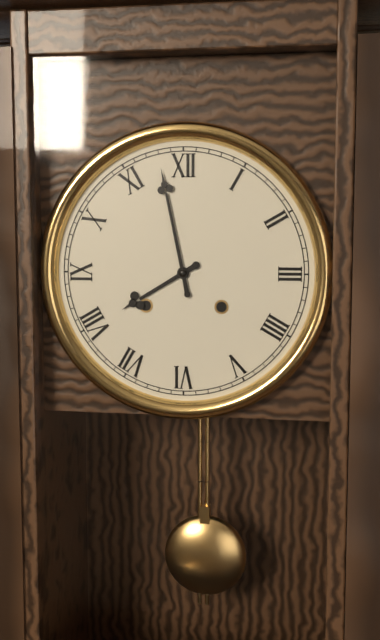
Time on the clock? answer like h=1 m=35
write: h=7 m=58
